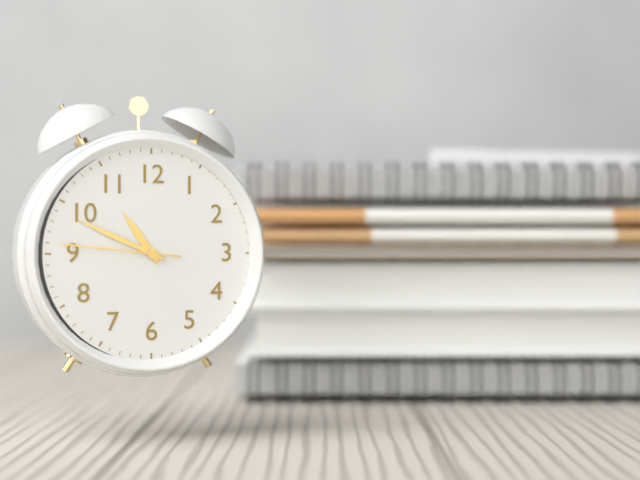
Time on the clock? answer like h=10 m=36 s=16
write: h=10 m=49 s=46
